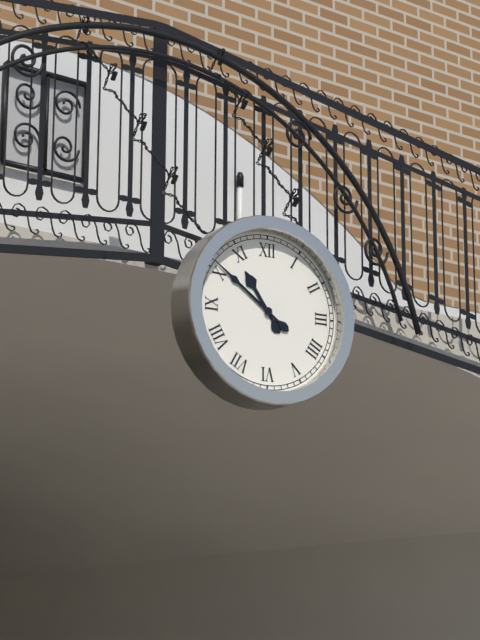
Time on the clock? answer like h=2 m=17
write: h=10 m=51
